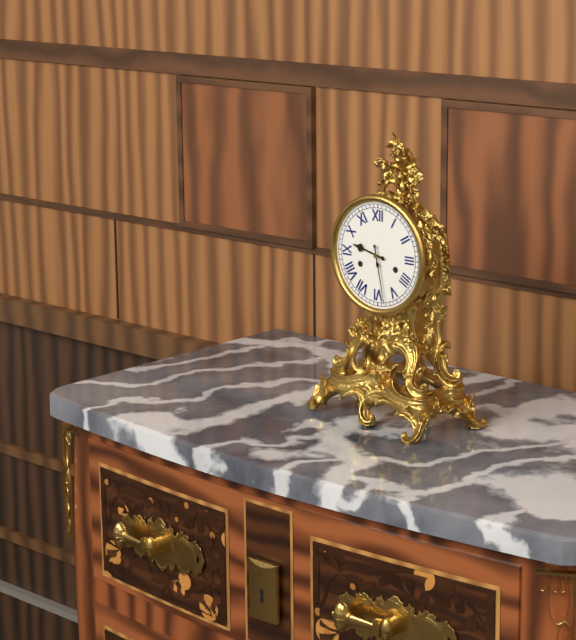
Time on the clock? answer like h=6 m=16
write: h=9 m=28
